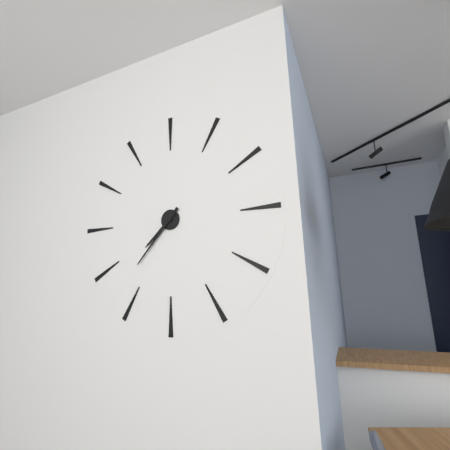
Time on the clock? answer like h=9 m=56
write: h=7 m=37
